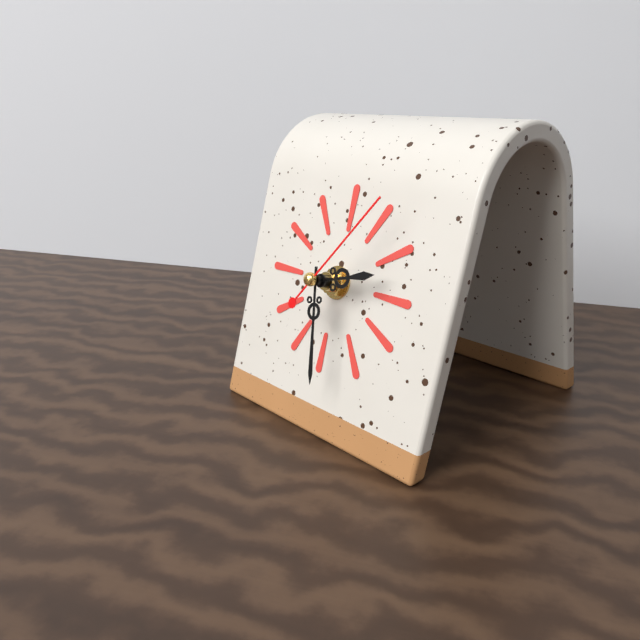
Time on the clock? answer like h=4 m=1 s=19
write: h=2 m=28 s=6
